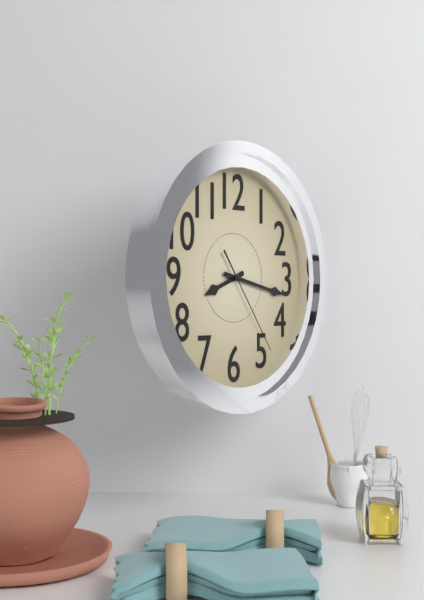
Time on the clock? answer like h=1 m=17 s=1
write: h=8 m=17 s=24
